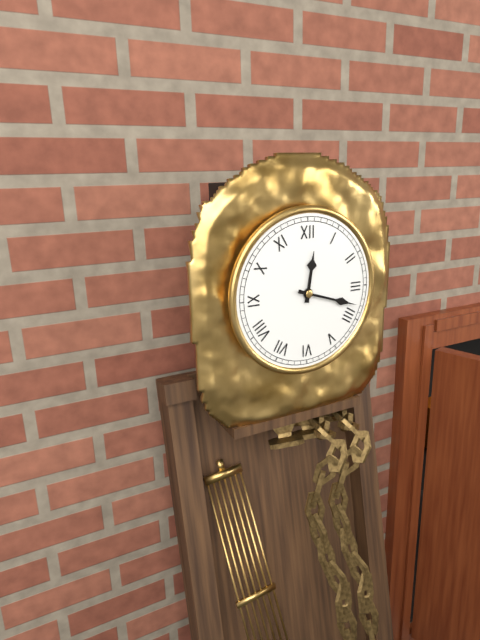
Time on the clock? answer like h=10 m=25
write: h=12 m=18
